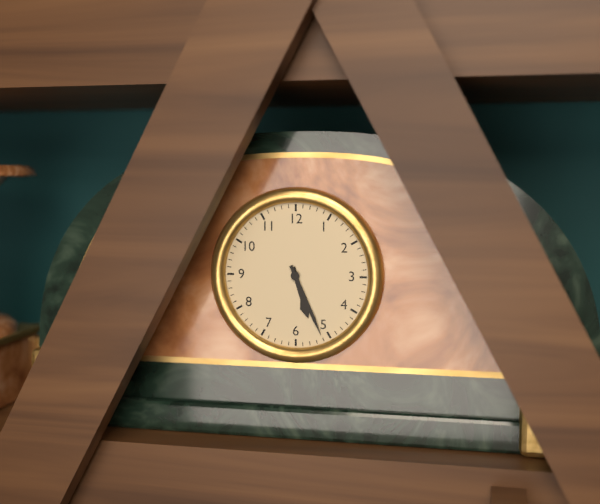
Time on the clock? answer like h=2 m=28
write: h=5 m=26
